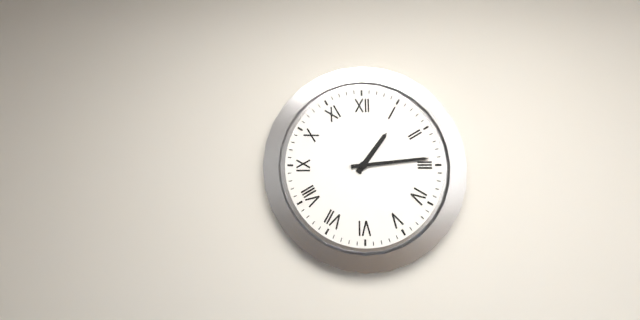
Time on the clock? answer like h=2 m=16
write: h=1 m=14
